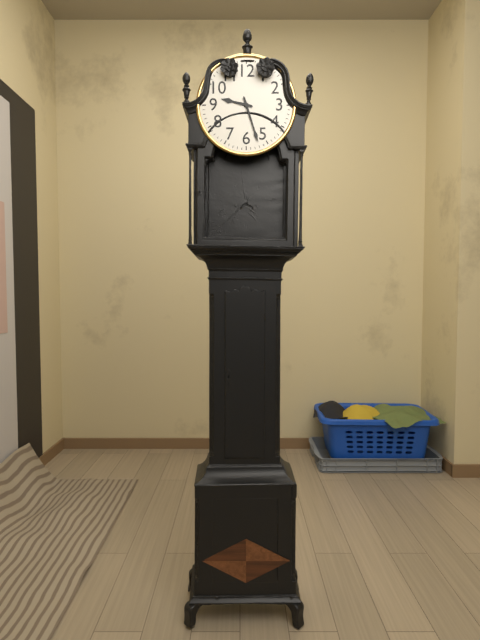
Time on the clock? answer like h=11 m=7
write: h=9 m=27
